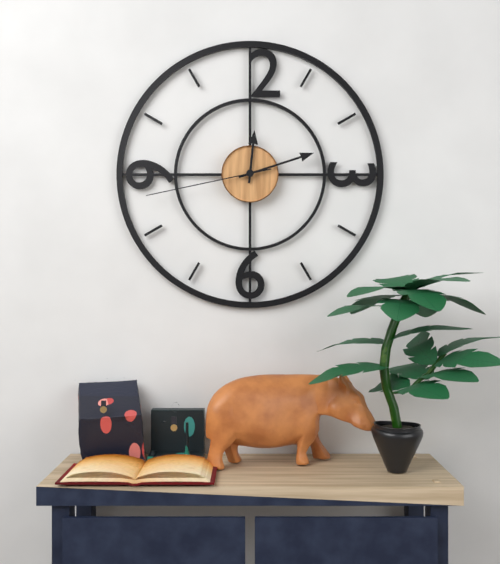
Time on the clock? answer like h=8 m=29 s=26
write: h=12 m=12 s=43
